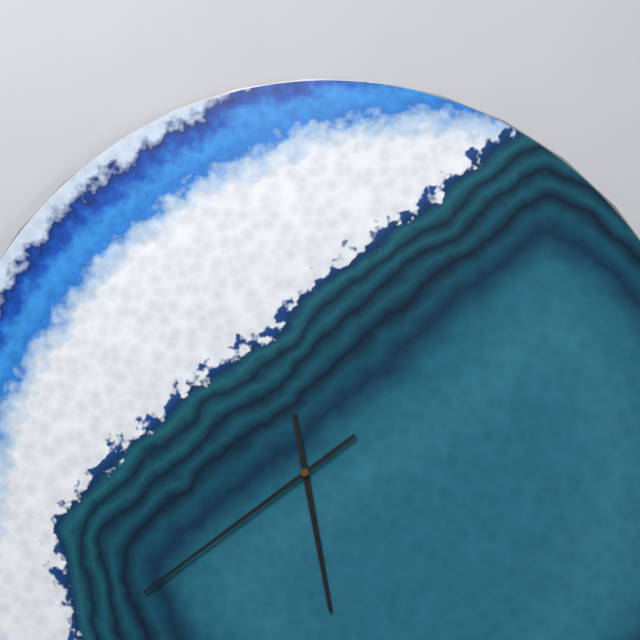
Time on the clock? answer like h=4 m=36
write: h=5 m=39
